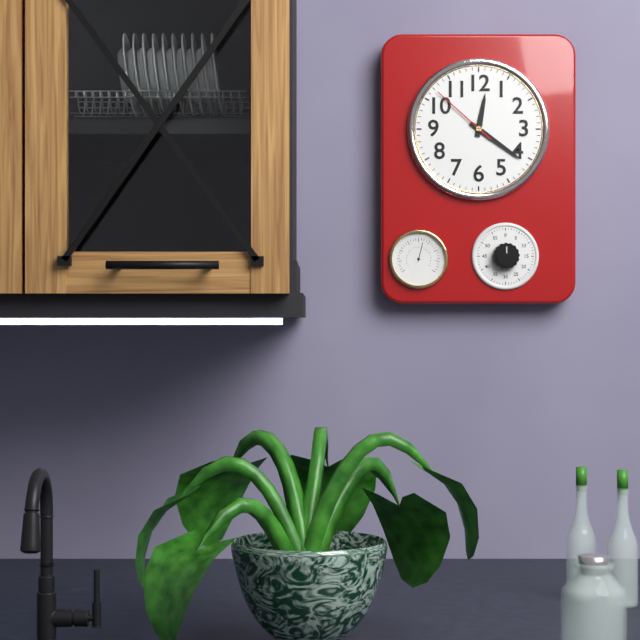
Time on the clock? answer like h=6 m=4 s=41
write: h=12 m=21 s=52
